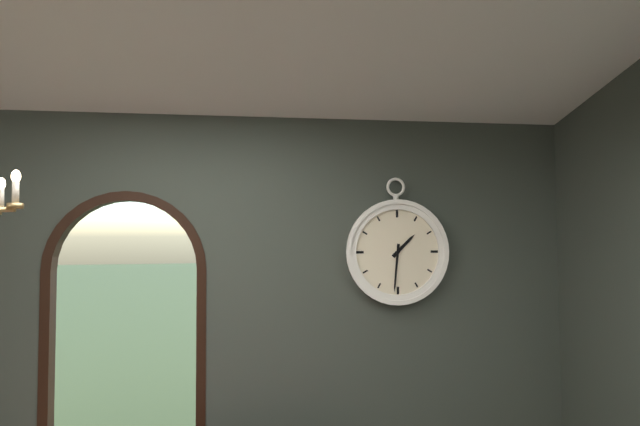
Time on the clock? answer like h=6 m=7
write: h=1 m=31
